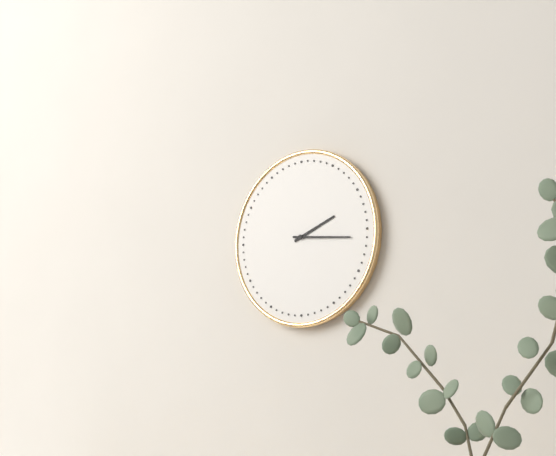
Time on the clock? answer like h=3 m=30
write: h=2 m=16
